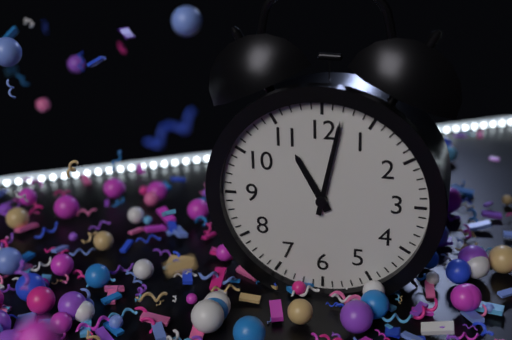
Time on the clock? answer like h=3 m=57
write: h=11 m=2
